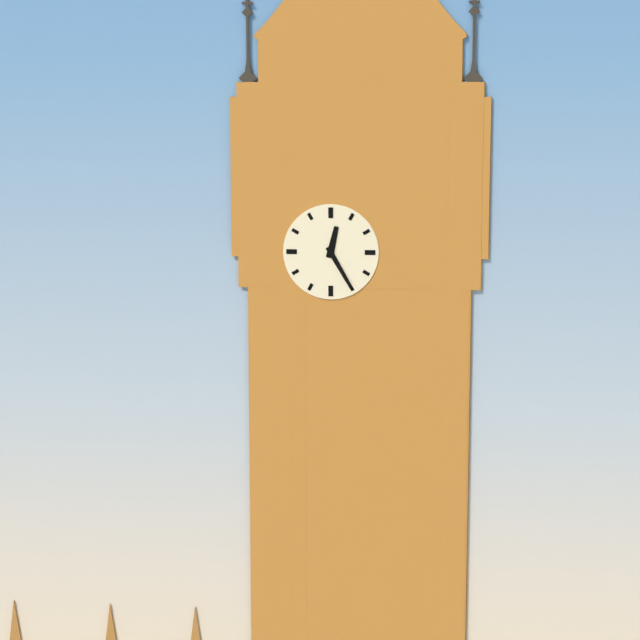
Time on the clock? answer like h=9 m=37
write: h=12 m=25
